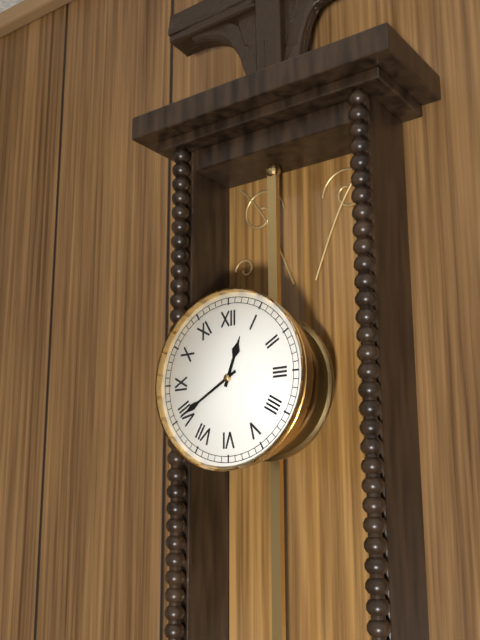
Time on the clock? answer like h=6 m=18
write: h=12 m=40
